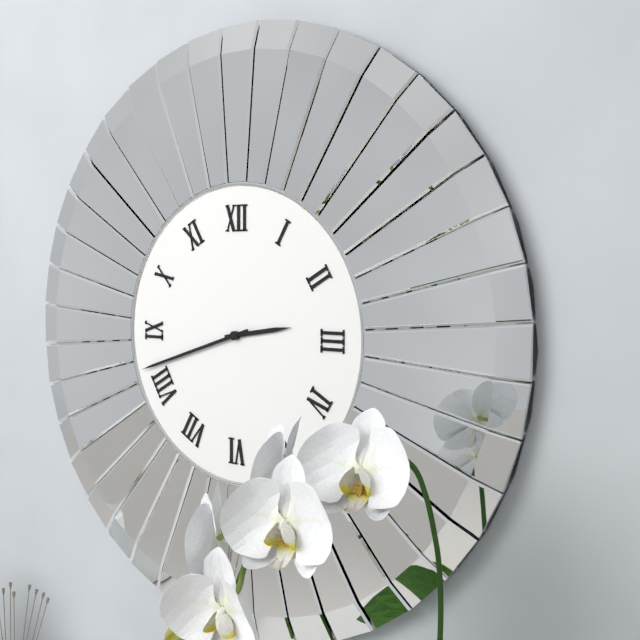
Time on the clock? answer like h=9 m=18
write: h=2 m=42
